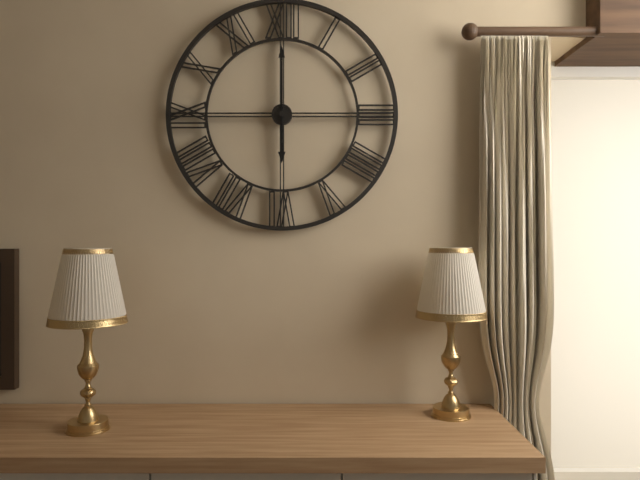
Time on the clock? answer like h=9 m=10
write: h=6 m=0
